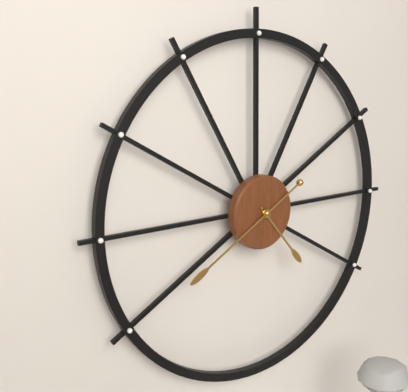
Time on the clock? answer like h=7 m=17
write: h=4 m=40
